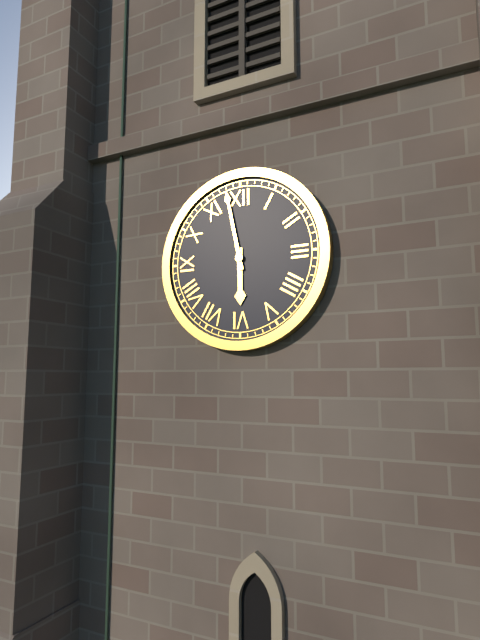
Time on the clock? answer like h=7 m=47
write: h=5 m=58
